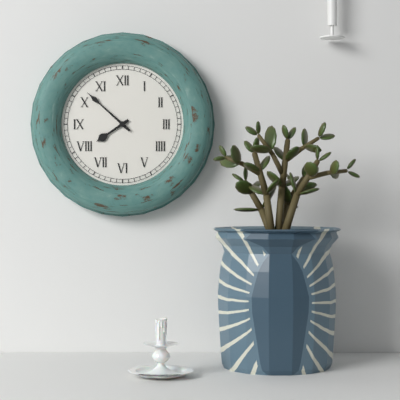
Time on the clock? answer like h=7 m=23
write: h=7 m=52
